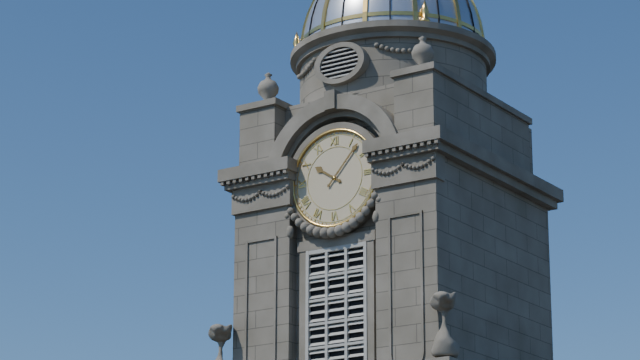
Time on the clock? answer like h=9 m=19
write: h=10 m=7
